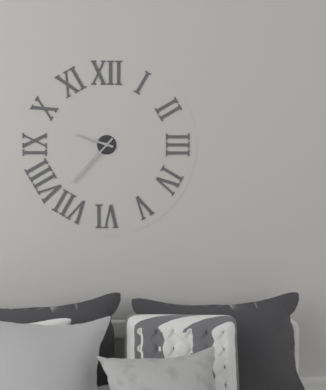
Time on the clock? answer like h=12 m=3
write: h=9 m=37
